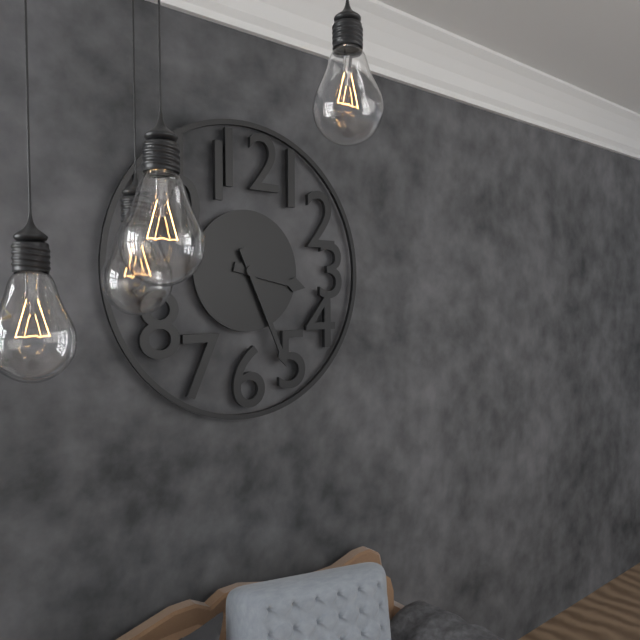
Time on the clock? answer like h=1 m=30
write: h=3 m=26
